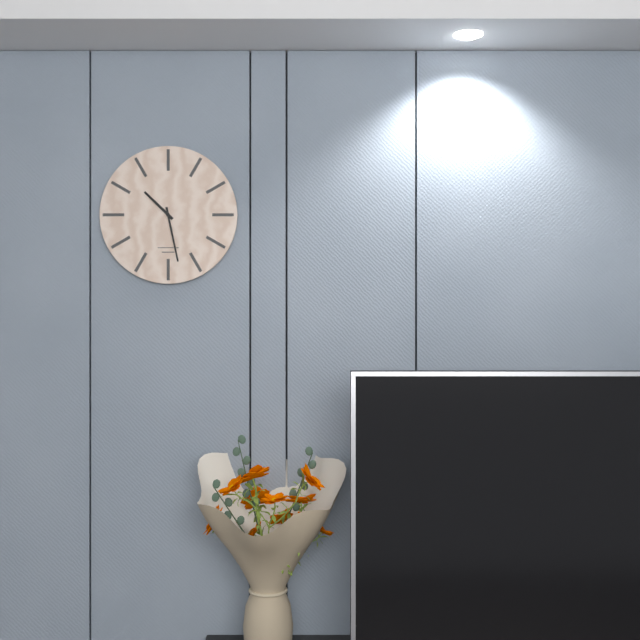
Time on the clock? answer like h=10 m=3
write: h=10 m=28
